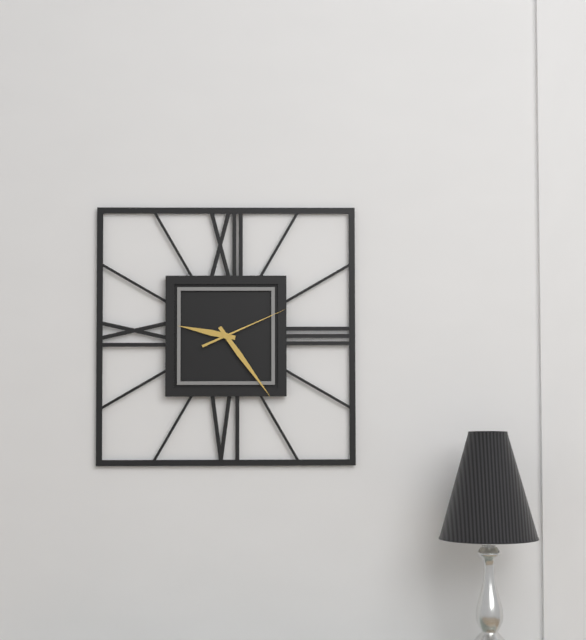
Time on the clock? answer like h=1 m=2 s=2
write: h=9 m=24 s=11
